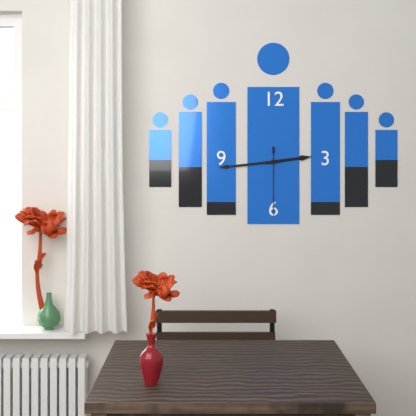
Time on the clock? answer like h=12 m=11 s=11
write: h=2 m=44 s=30
